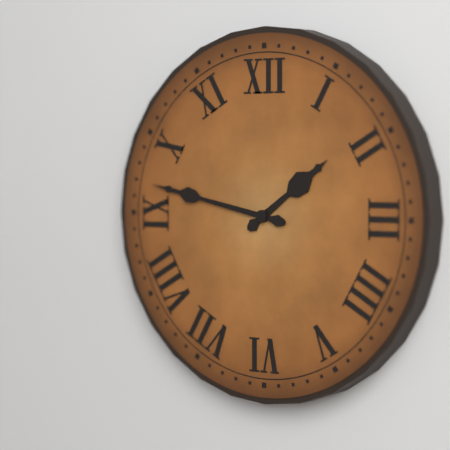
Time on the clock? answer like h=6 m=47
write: h=1 m=47
